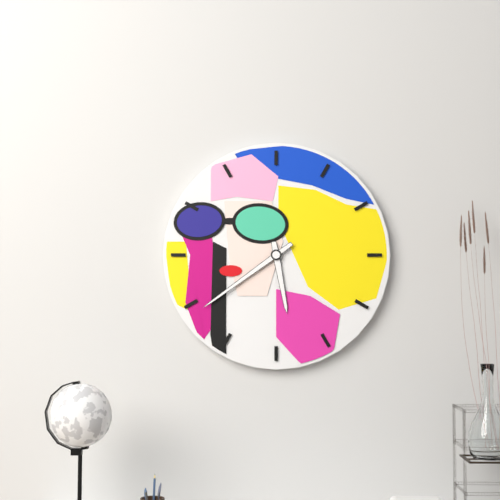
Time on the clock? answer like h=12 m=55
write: h=5 m=39
